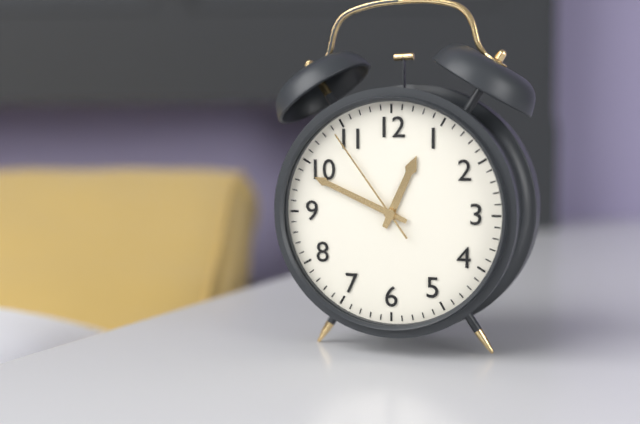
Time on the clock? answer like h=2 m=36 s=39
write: h=12 m=49 s=54
